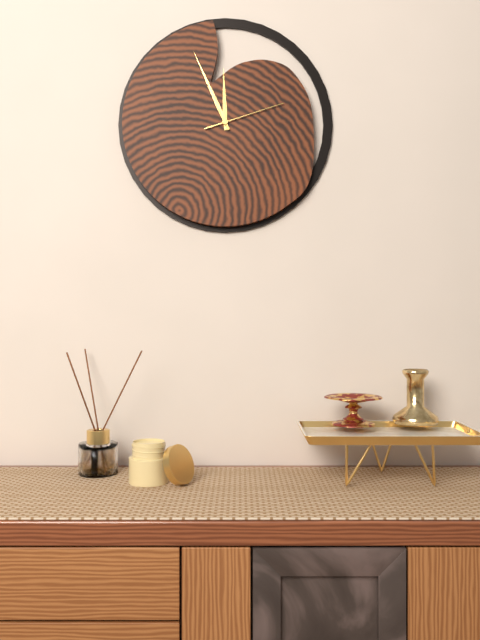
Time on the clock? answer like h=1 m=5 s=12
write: h=11 m=56 s=12
